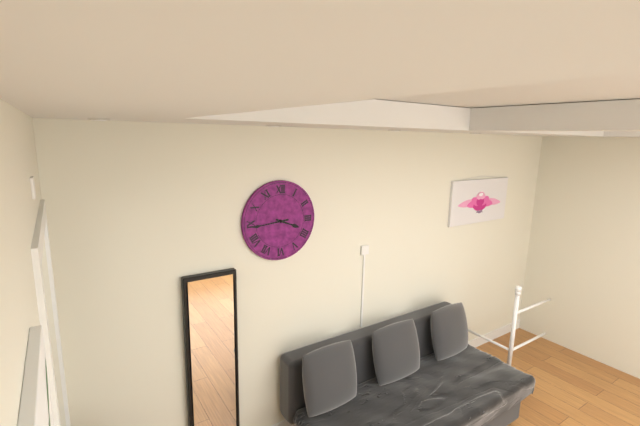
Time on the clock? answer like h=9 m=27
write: h=3 m=44
